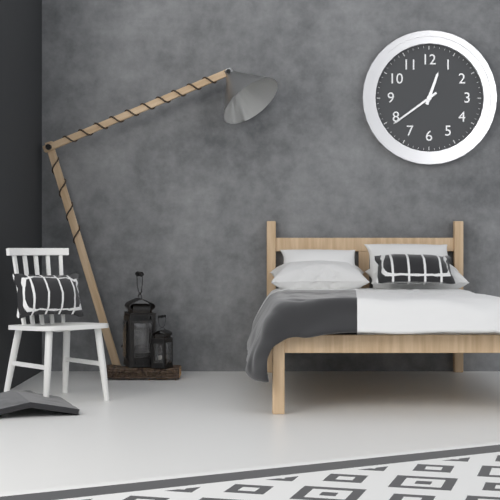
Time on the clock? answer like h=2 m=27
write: h=12 m=39
